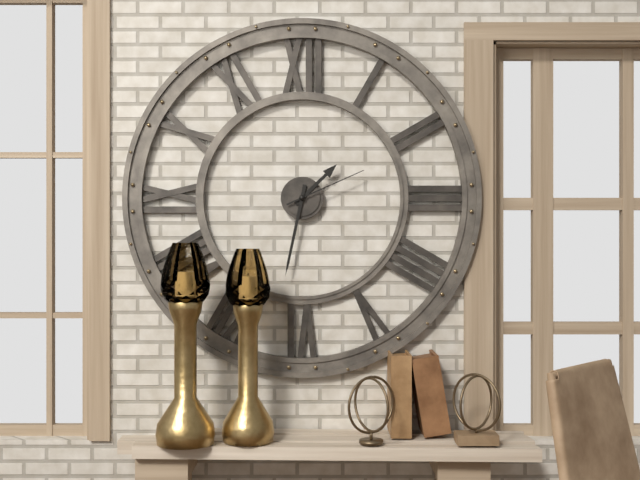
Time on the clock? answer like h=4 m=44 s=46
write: h=1 m=32 s=11
